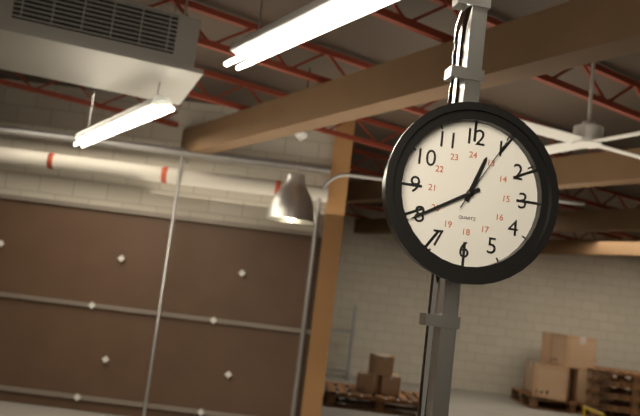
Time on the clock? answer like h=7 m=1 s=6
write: h=12 m=40 s=5
